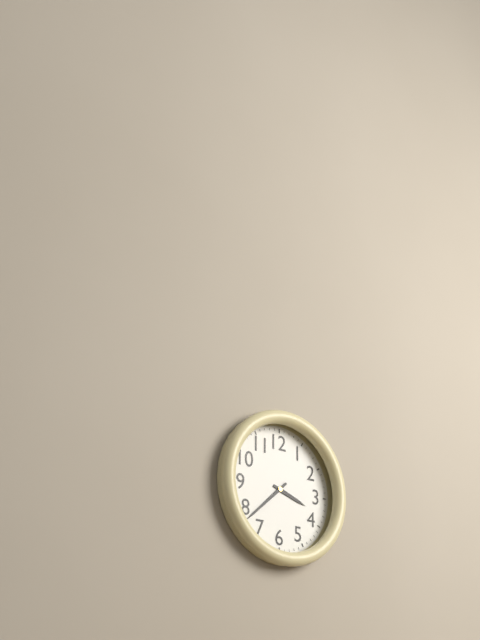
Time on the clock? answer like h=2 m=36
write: h=3 m=38
